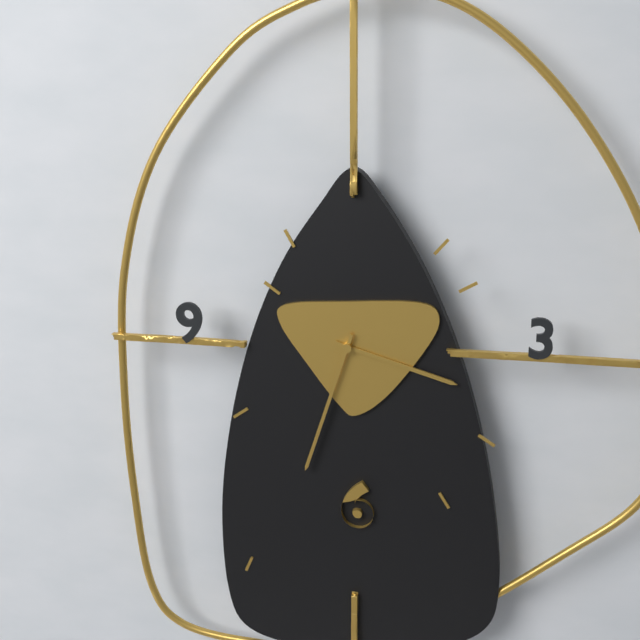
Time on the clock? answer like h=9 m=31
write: h=3 m=33
